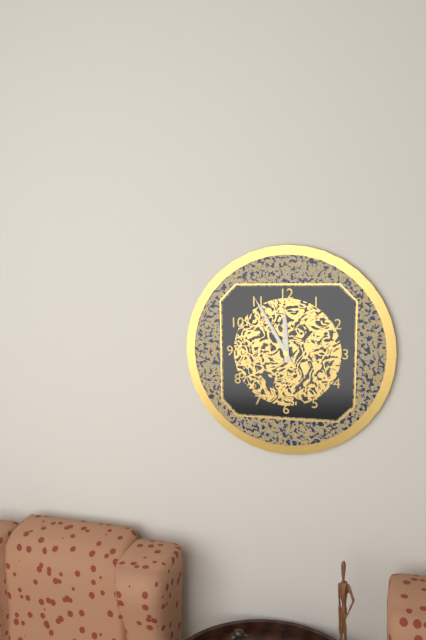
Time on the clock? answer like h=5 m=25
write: h=11 m=55
